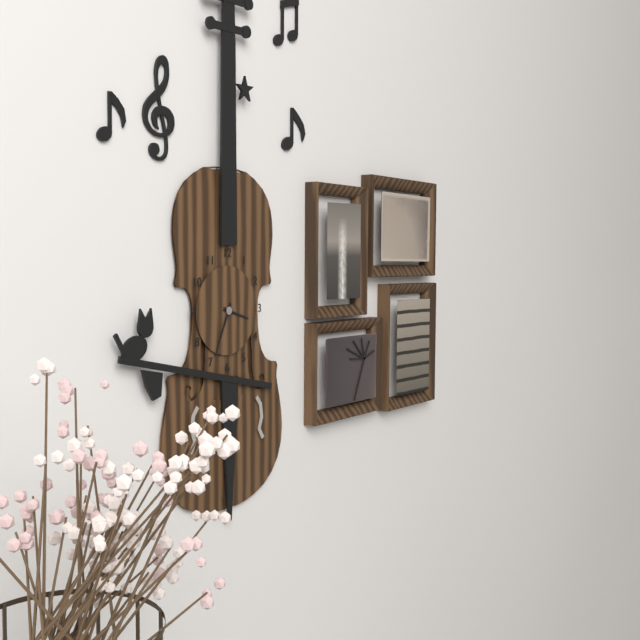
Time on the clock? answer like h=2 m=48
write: h=3 m=34
